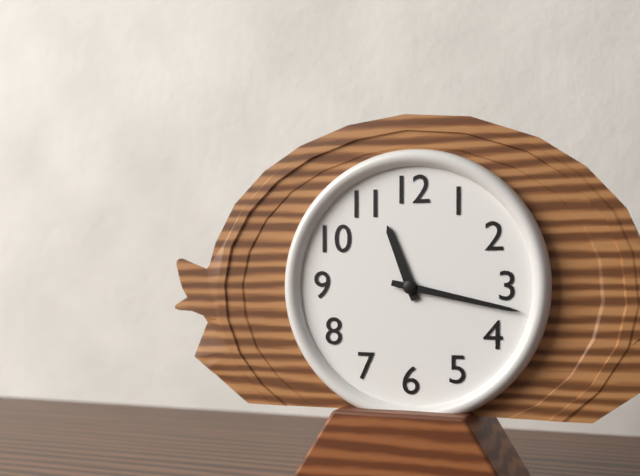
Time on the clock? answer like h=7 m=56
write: h=11 m=17
